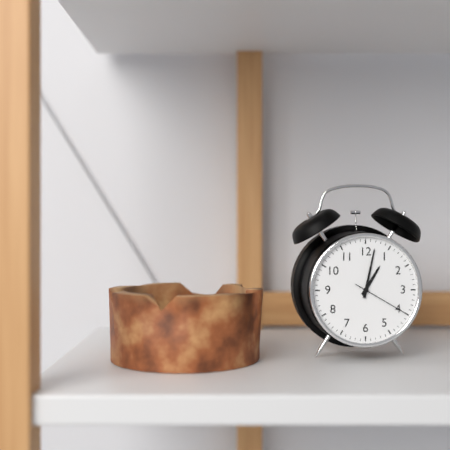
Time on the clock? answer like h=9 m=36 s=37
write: h=1 m=2 s=20
